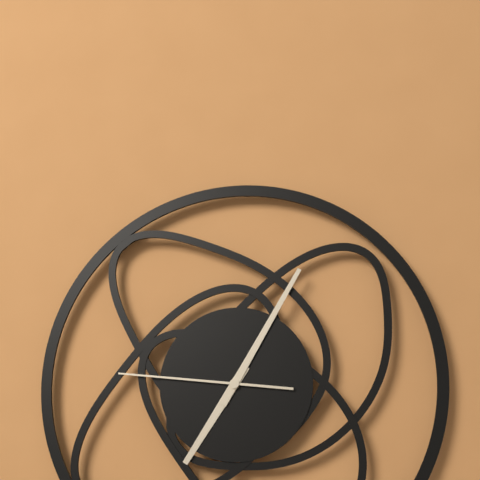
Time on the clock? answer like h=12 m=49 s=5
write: h=7 m=5 s=46
